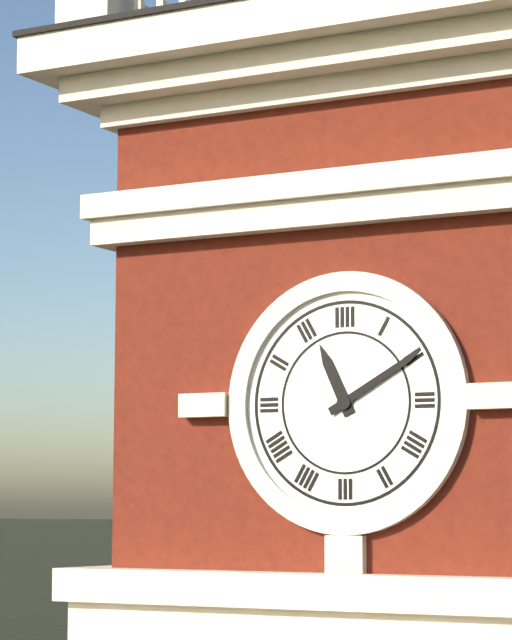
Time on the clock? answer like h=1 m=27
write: h=11 m=10
